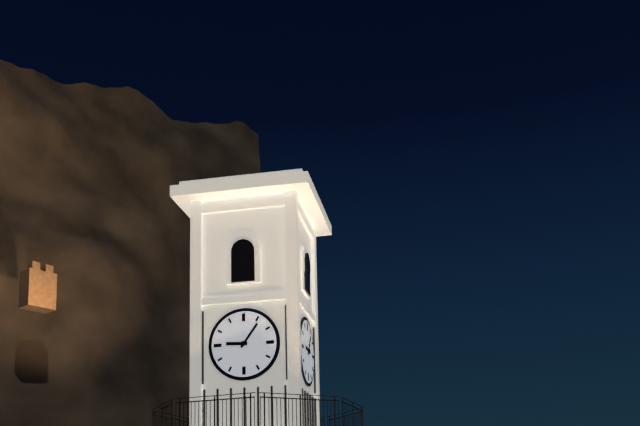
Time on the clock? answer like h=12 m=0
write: h=9 m=6
